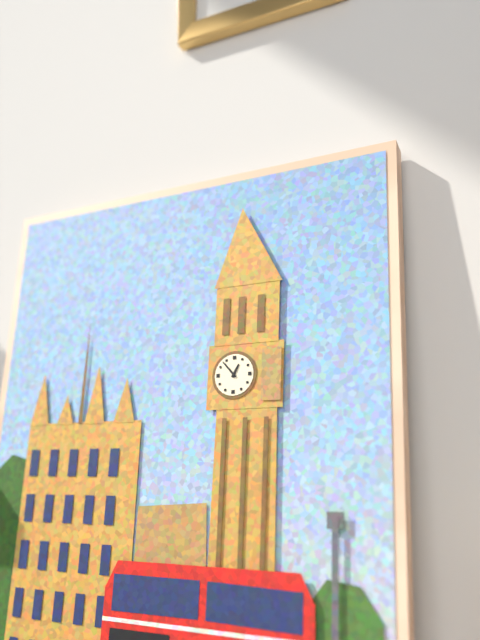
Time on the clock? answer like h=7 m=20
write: h=12 m=53
